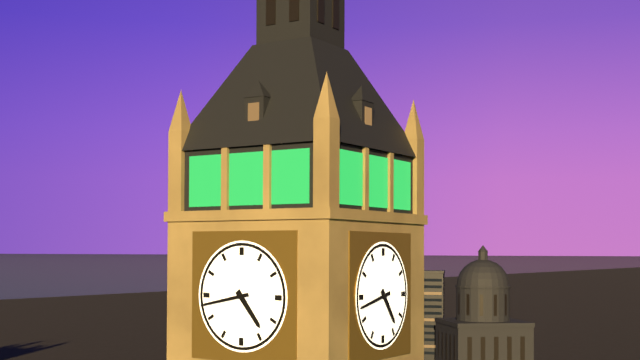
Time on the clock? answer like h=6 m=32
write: h=4 m=43
